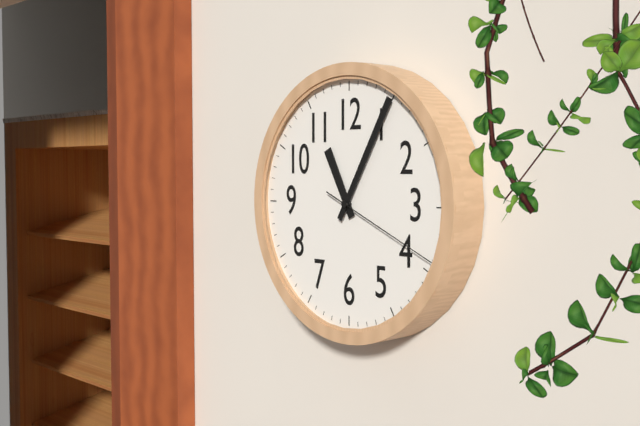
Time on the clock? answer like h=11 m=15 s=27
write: h=11 m=5 s=19
